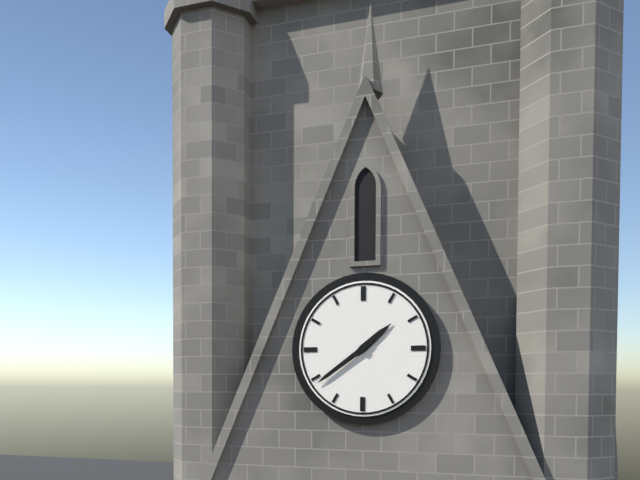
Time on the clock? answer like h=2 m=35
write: h=1 m=39
